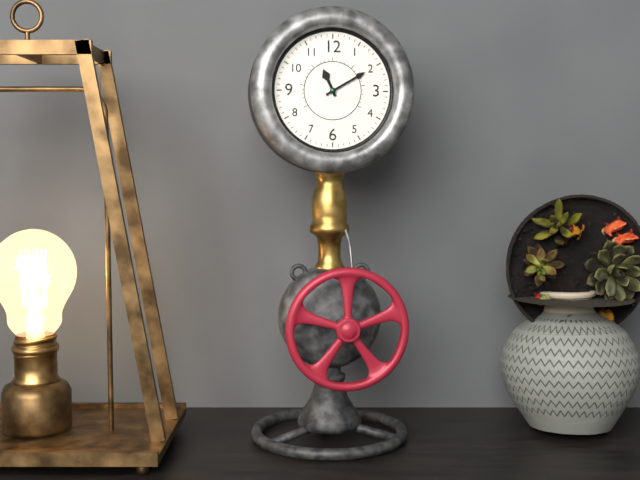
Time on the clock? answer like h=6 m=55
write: h=11 m=10
